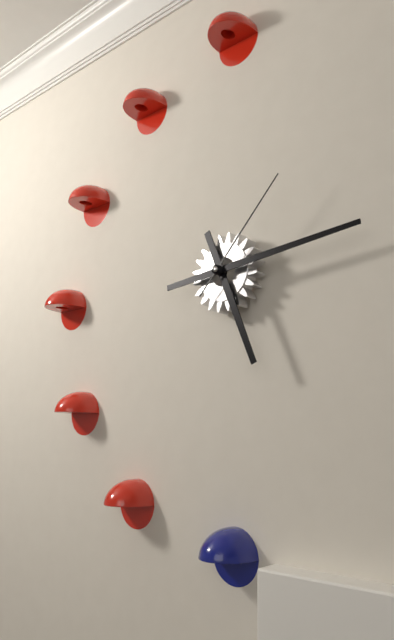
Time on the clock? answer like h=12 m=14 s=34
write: h=5 m=14 s=7
